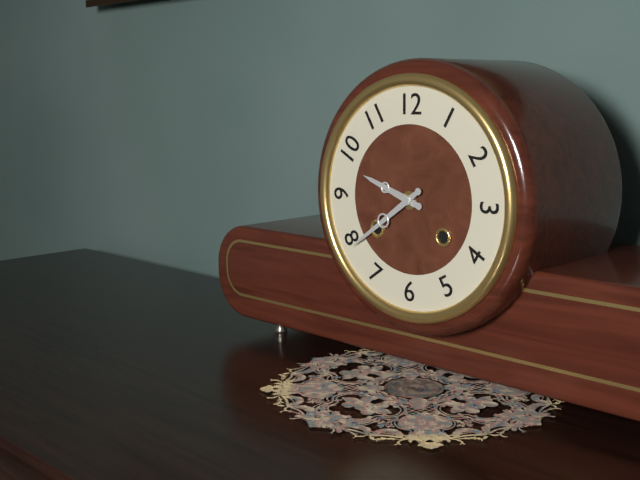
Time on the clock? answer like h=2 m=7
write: h=9 m=39
